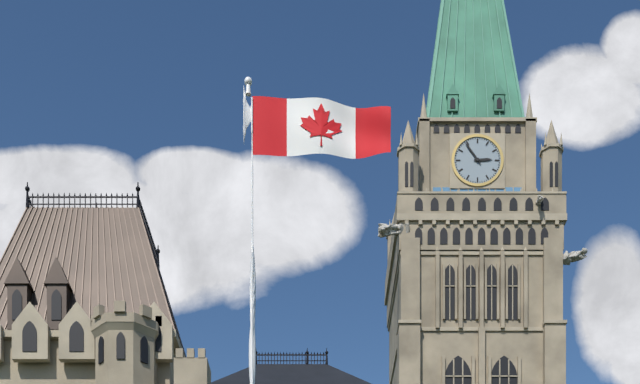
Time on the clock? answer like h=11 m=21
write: h=2 m=54
